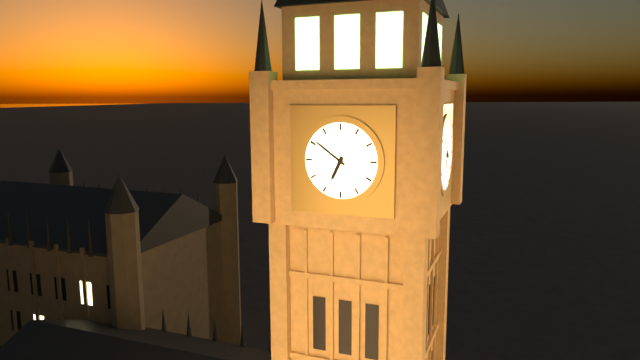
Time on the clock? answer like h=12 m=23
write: h=6 m=51
